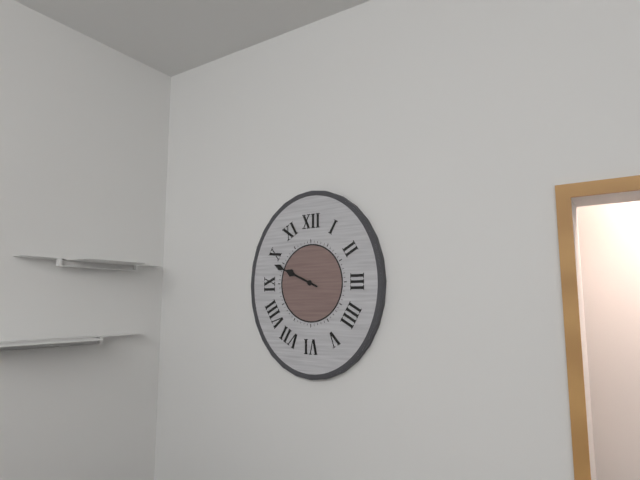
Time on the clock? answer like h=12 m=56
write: h=9 m=49
